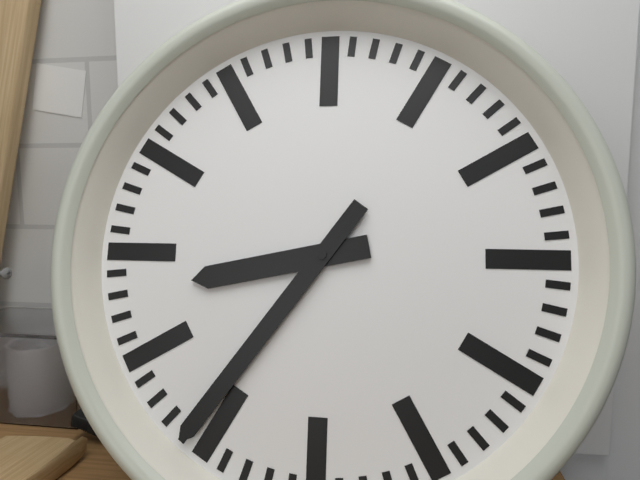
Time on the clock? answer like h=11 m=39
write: h=8 m=36
